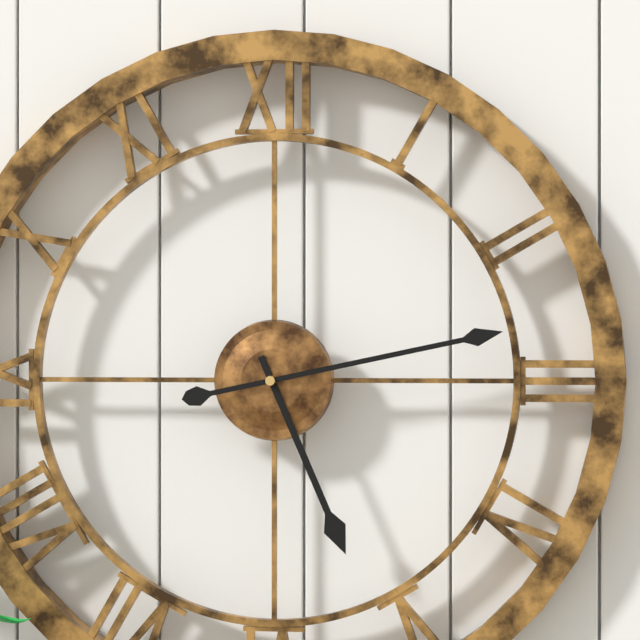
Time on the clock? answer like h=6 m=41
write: h=5 m=13
